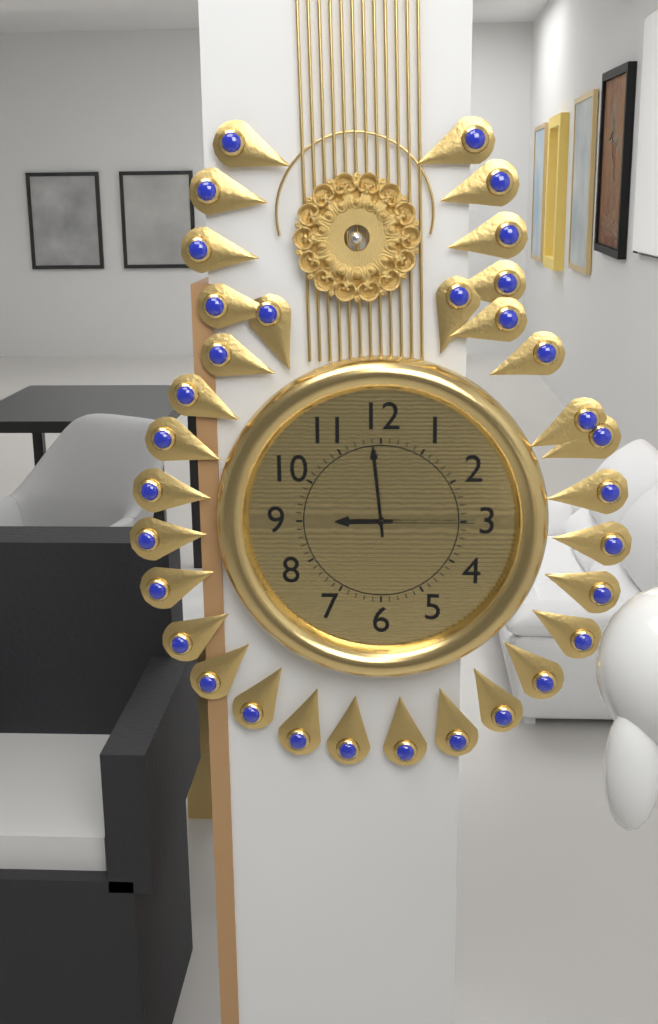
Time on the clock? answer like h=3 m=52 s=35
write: h=8 m=59 s=15
